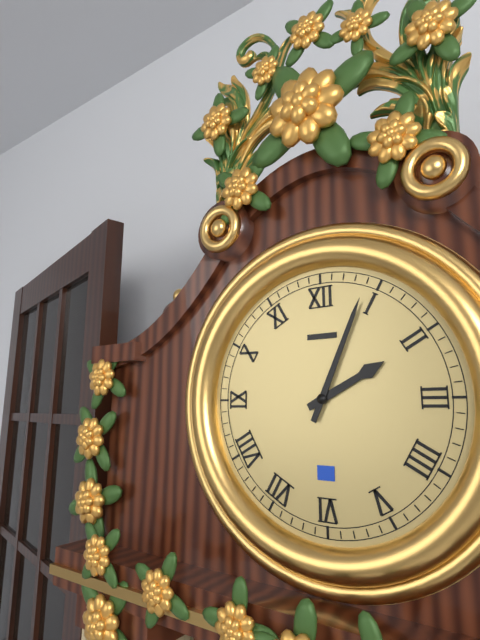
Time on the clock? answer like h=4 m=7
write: h=2 m=4
